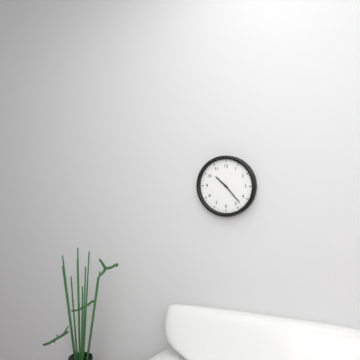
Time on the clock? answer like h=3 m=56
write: h=10 m=23
